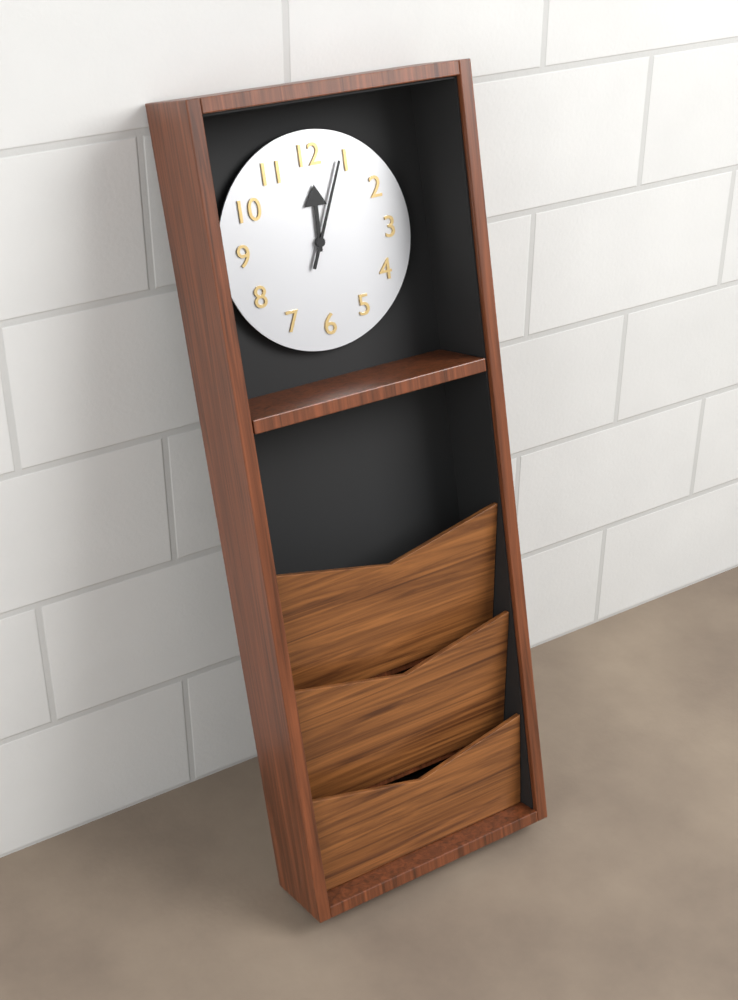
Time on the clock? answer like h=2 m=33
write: h=12 m=4
